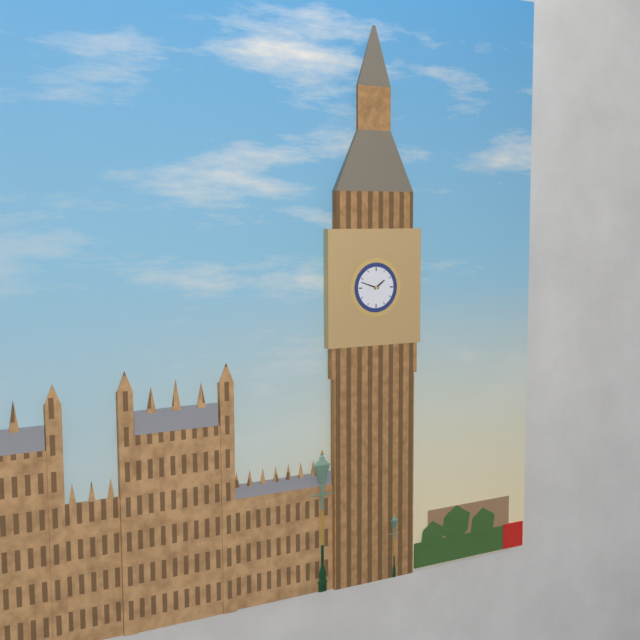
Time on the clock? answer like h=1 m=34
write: h=1 m=48
